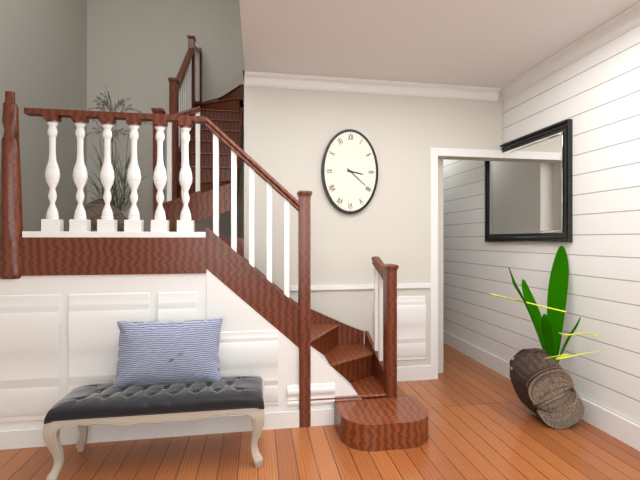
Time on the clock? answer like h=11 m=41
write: h=3 m=22
